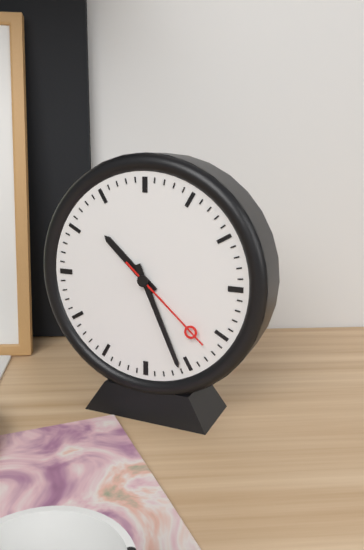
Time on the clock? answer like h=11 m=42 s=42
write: h=10 m=26 s=22
